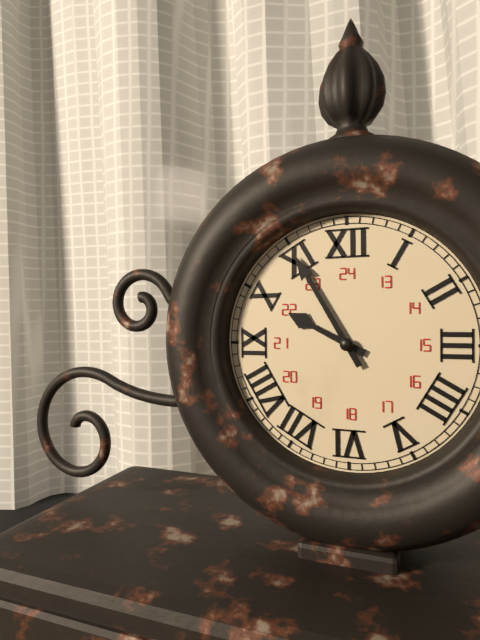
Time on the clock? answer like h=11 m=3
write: h=9 m=55
